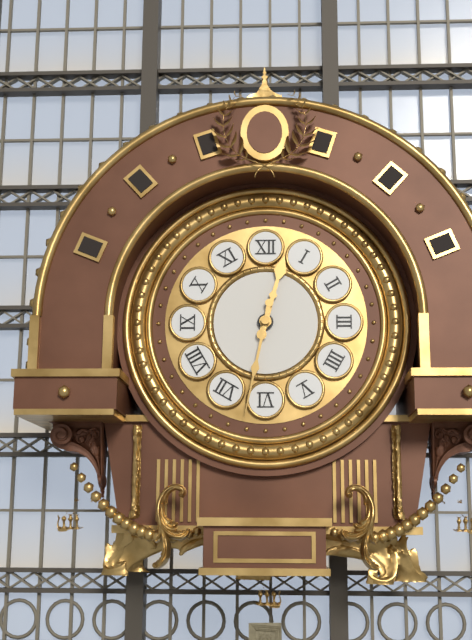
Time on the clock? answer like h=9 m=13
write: h=12 m=32
